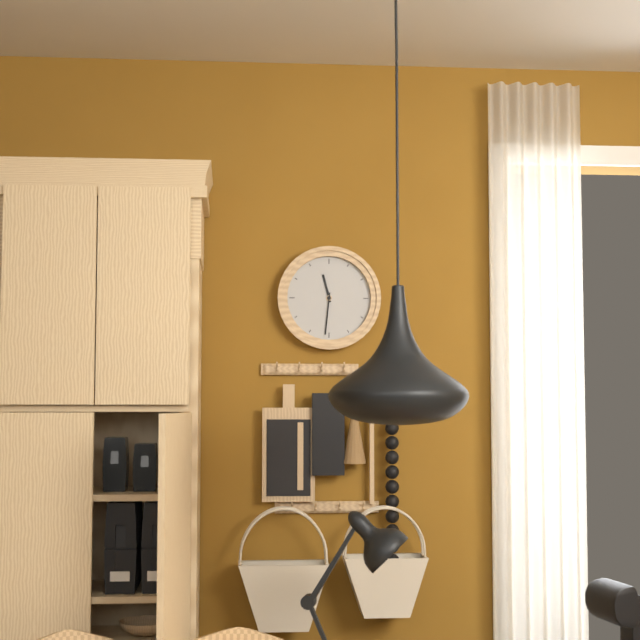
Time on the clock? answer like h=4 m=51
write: h=11 m=31
